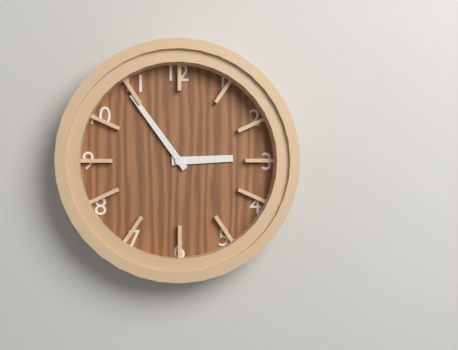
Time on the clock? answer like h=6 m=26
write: h=2 m=54
